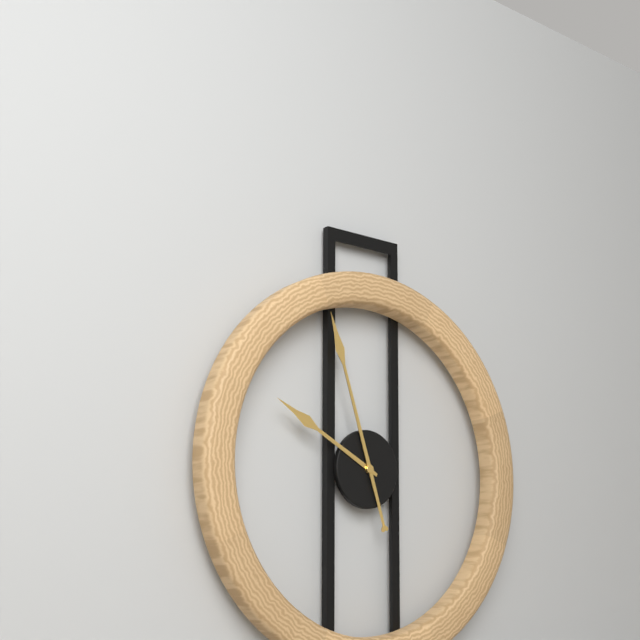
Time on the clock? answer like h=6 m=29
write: h=9 m=57
